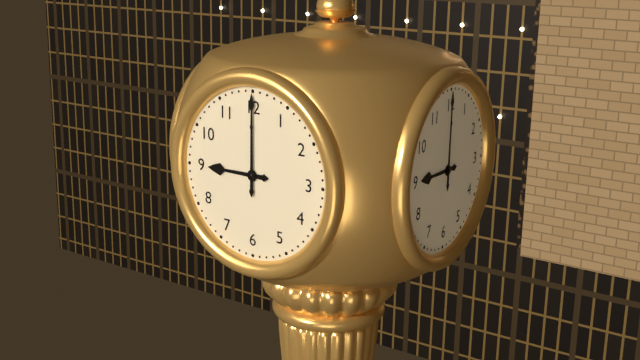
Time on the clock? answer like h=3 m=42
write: h=9 m=0
